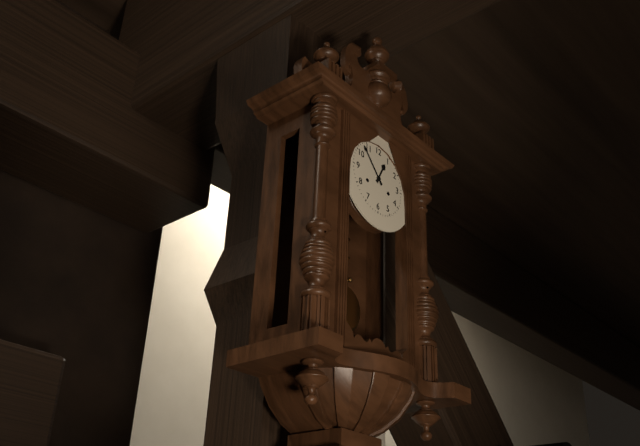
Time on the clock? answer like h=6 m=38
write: h=12 m=53
